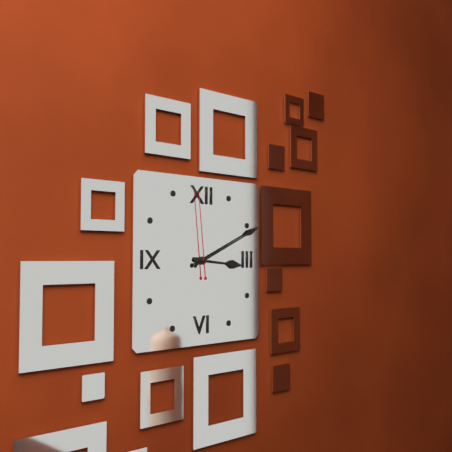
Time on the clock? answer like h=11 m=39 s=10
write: h=3 m=11 s=59
